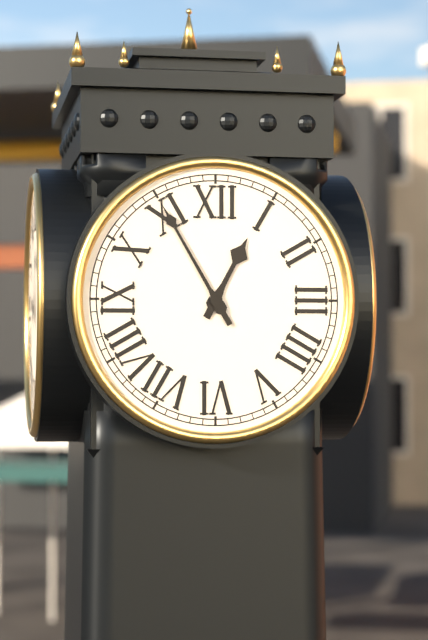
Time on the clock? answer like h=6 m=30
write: h=12 m=55
